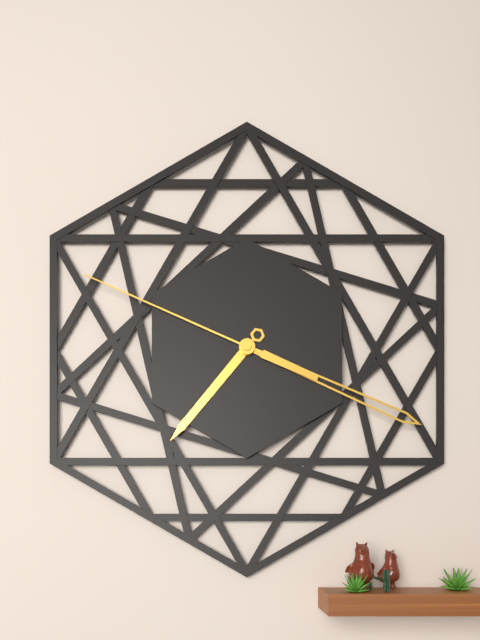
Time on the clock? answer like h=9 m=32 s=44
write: h=7 m=19 s=49
